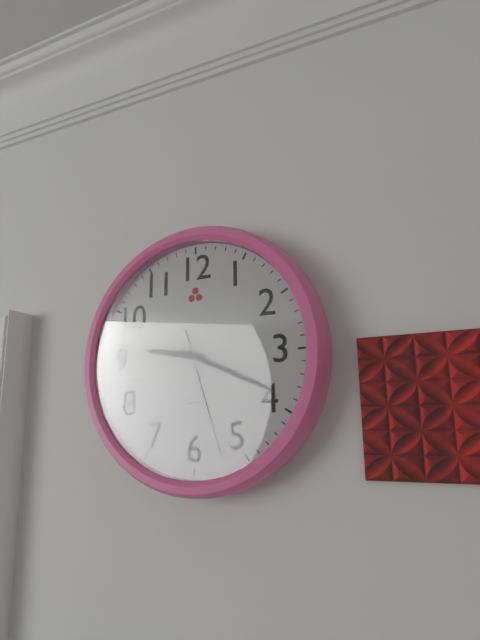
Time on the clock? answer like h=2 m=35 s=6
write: h=9 m=19 s=27
